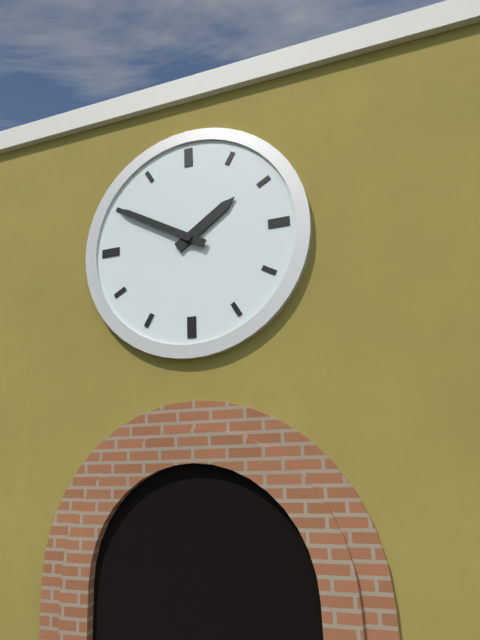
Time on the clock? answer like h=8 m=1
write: h=1 m=50
